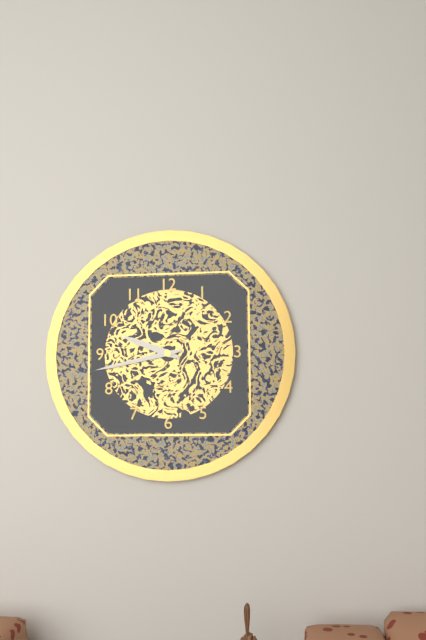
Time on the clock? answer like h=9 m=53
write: h=9 m=43
